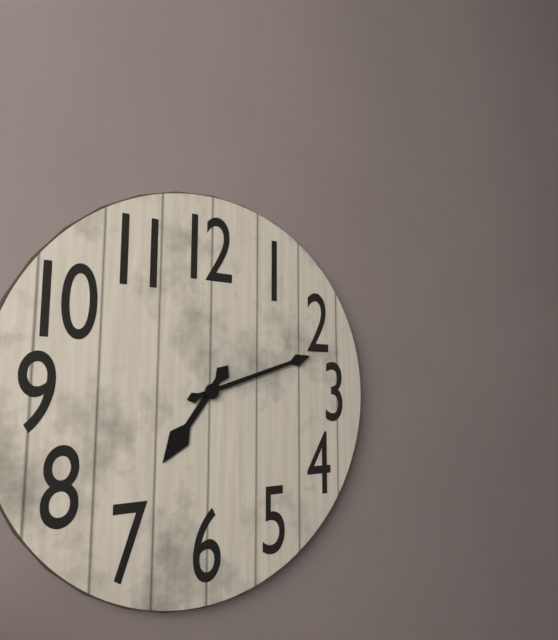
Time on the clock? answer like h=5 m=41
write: h=7 m=12
